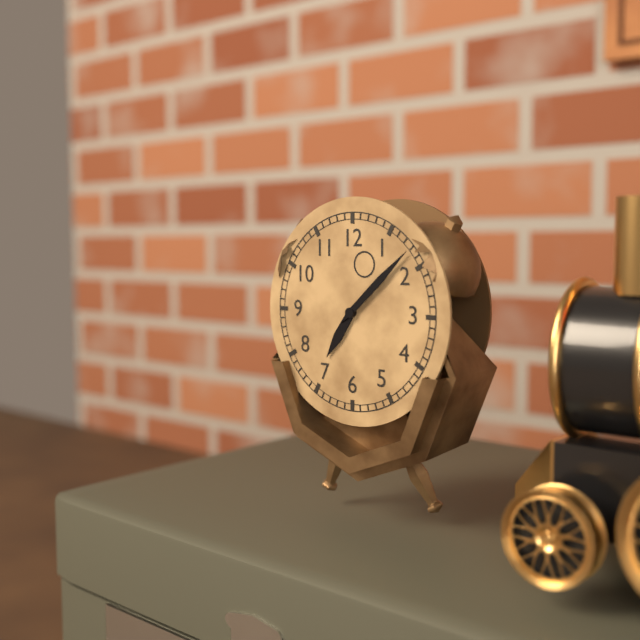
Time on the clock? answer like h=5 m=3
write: h=7 m=8
